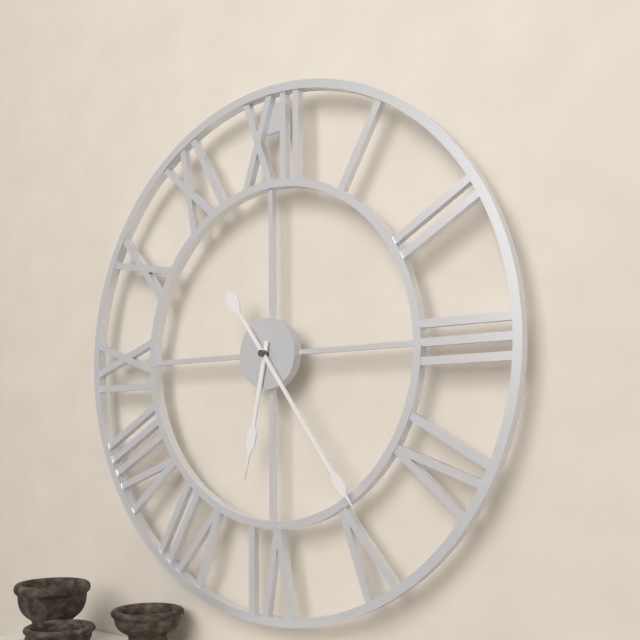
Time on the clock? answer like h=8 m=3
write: h=6 m=24
